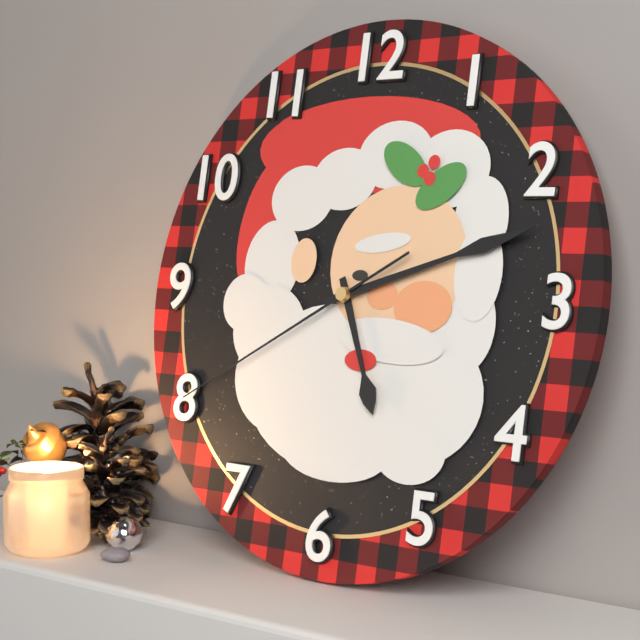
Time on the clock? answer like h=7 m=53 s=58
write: h=5 m=12 s=40
